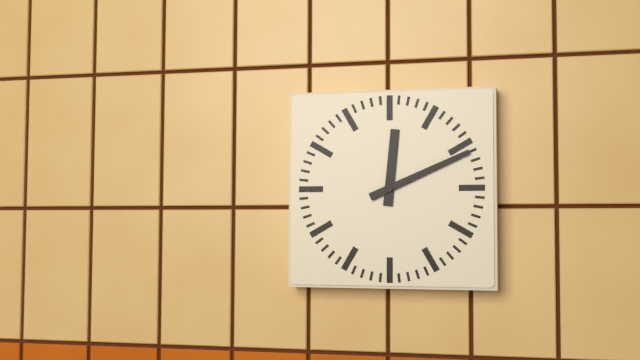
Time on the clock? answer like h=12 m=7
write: h=12 m=11
